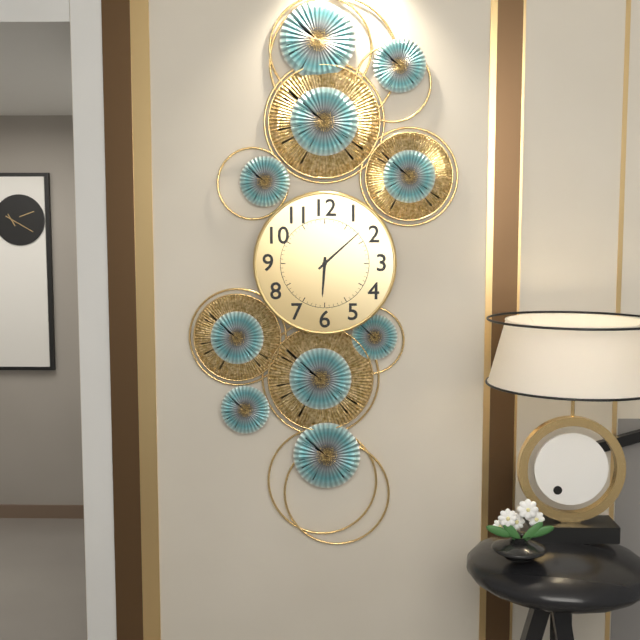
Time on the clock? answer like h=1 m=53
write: h=6 m=8
